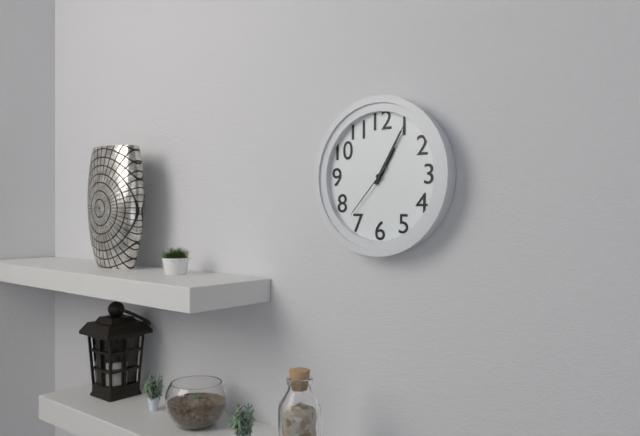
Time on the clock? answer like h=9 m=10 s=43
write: h=1 m=5 s=37
